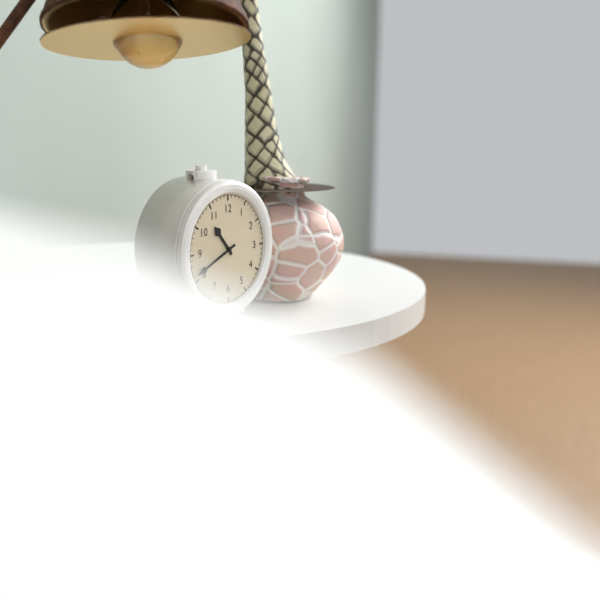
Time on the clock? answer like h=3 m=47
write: h=10 m=41
